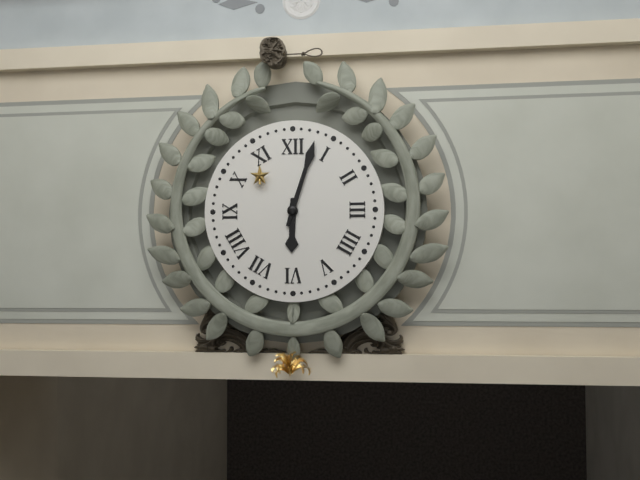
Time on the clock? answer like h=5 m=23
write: h=6 m=3
